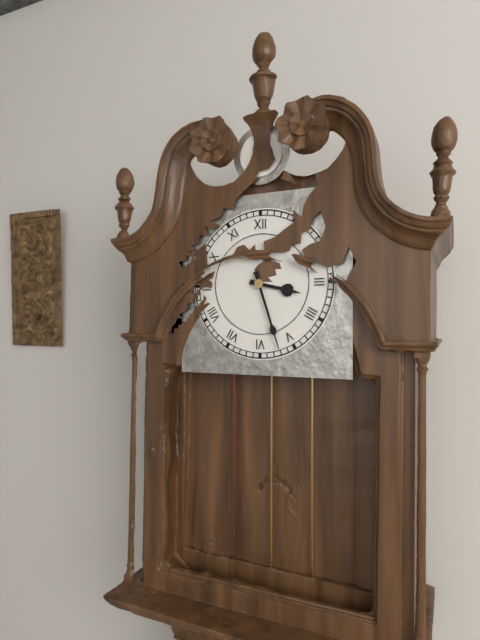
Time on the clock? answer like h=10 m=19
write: h=3 m=27
